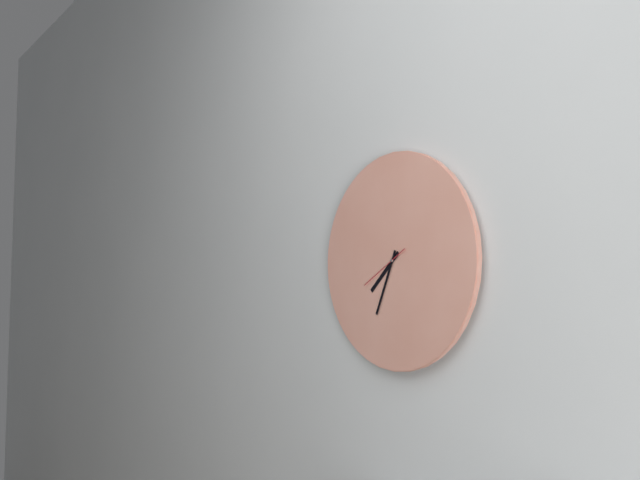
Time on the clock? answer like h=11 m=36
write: h=7 m=34
